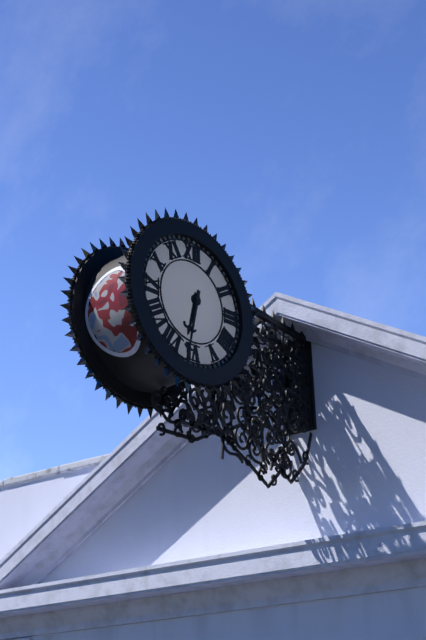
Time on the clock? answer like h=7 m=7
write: h=6 m=32
